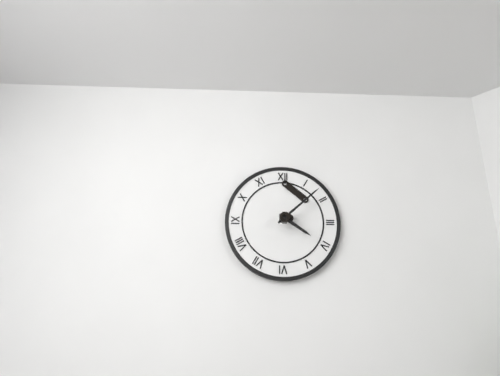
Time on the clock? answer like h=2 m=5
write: h=4 m=8
